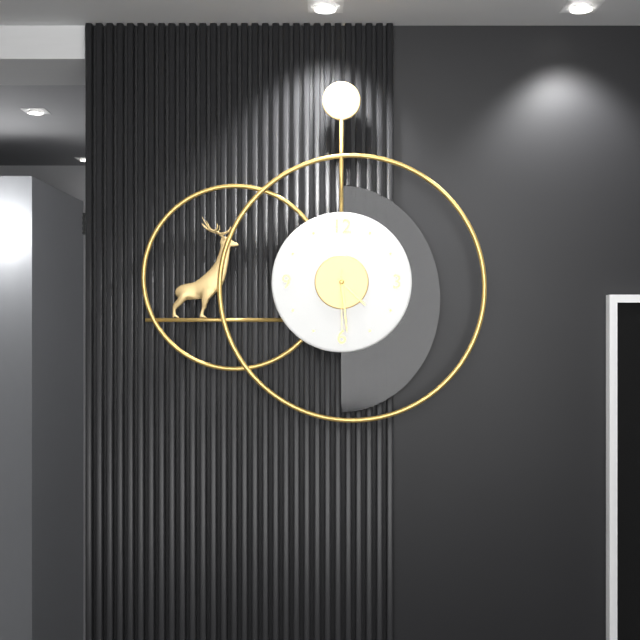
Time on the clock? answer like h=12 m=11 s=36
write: h=4 m=29 s=30
